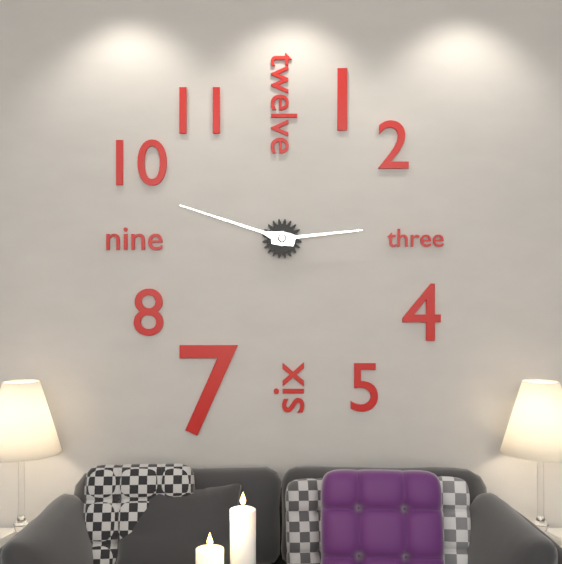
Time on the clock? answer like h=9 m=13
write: h=2 m=48
